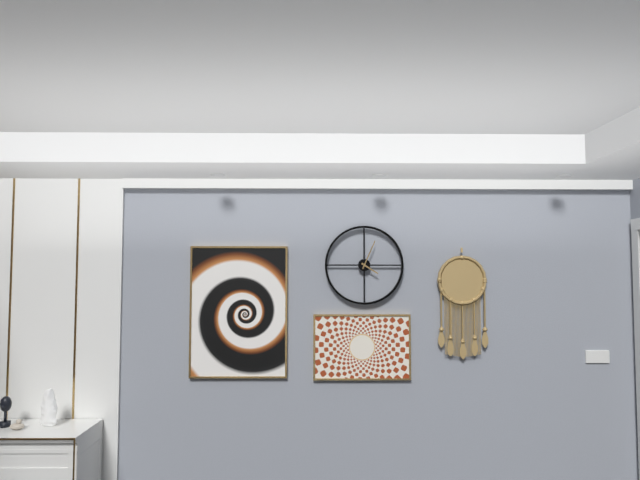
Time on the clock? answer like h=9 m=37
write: h=4 m=4
